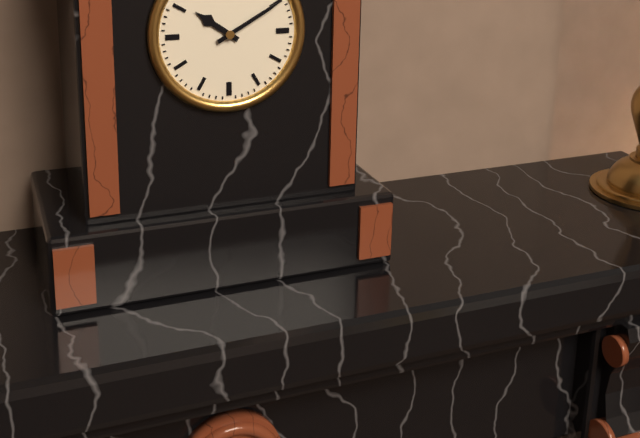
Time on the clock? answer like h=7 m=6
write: h=10 m=10
